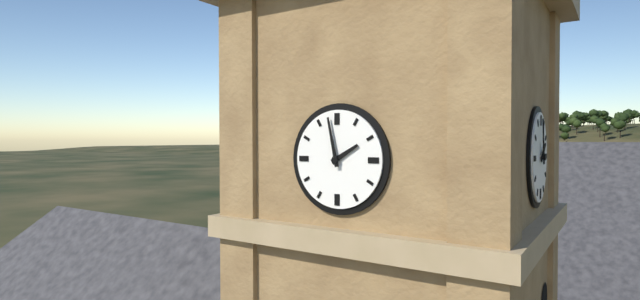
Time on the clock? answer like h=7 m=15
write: h=1 m=58
